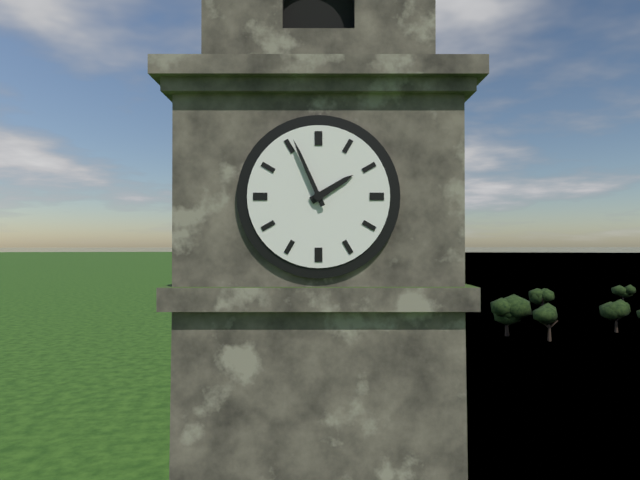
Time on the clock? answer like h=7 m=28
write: h=1 m=56
